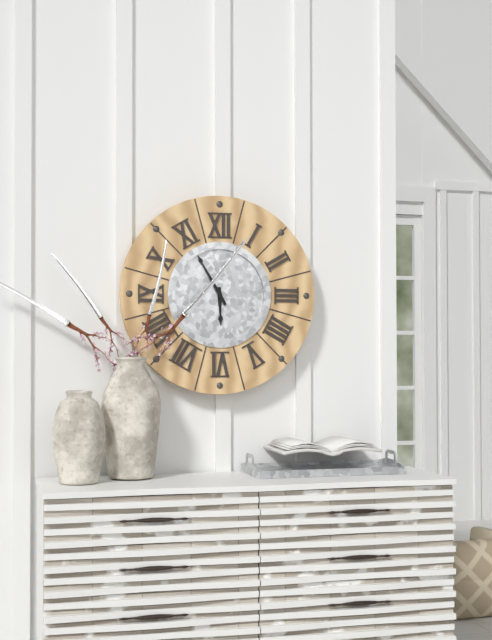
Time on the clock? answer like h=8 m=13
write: h=5 m=55
